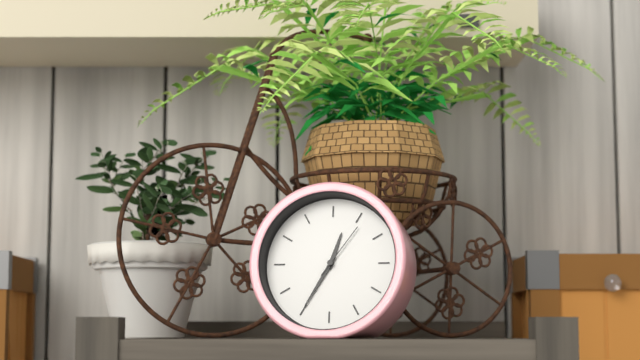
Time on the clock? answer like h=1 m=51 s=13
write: h=12 m=35 s=6
